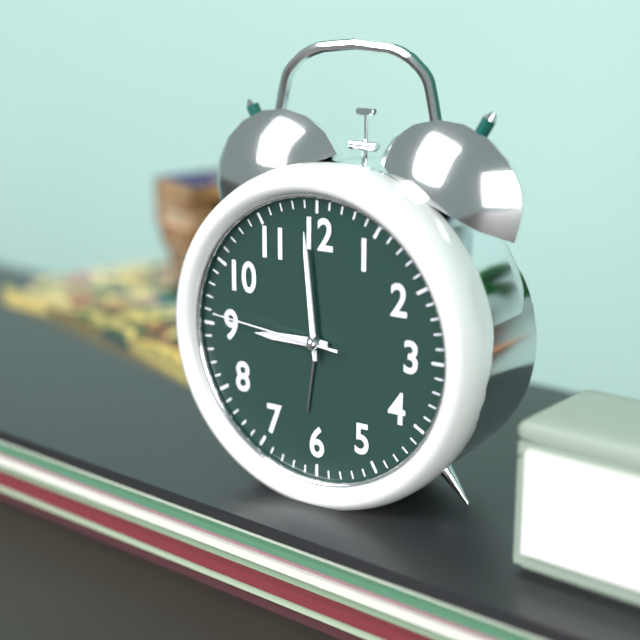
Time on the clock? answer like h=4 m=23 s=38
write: h=8 m=59 s=46
